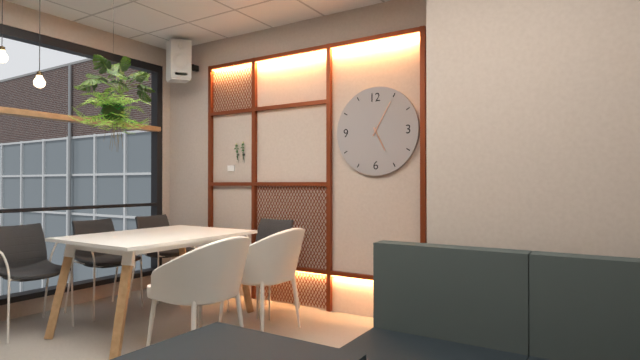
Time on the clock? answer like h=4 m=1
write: h=5 m=5
